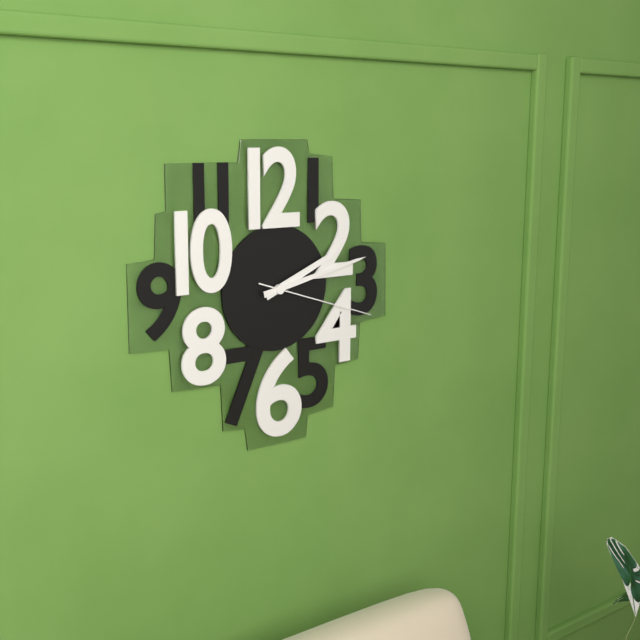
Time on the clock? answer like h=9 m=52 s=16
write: h=2 m=13 s=18
